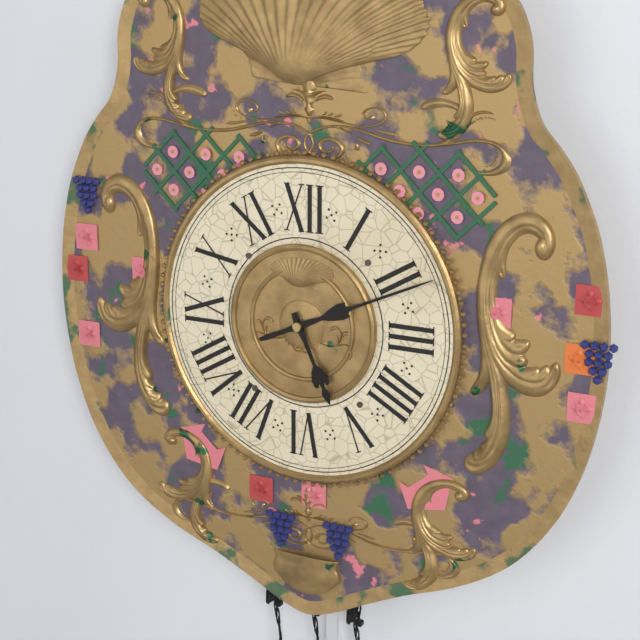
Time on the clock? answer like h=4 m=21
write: h=5 m=11
